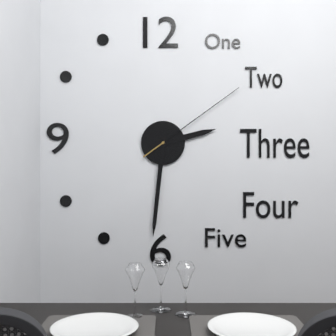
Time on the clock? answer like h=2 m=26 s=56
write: h=2 m=31 s=9
